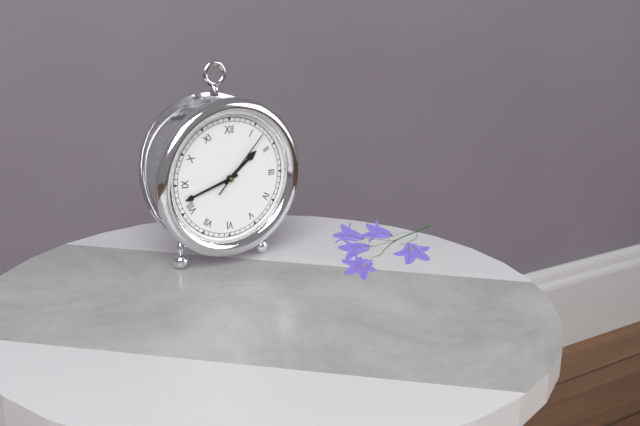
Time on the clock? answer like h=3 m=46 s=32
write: h=1 m=42 s=7
